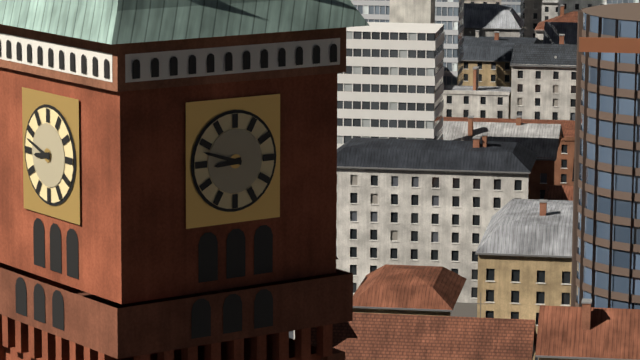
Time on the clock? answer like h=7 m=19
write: h=8 m=48
